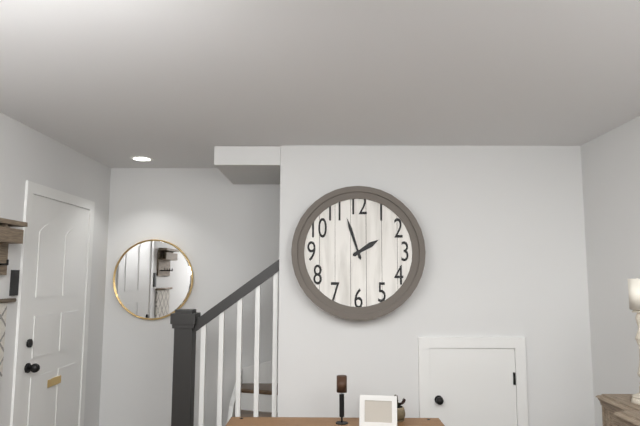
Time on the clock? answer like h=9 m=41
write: h=1 m=57
